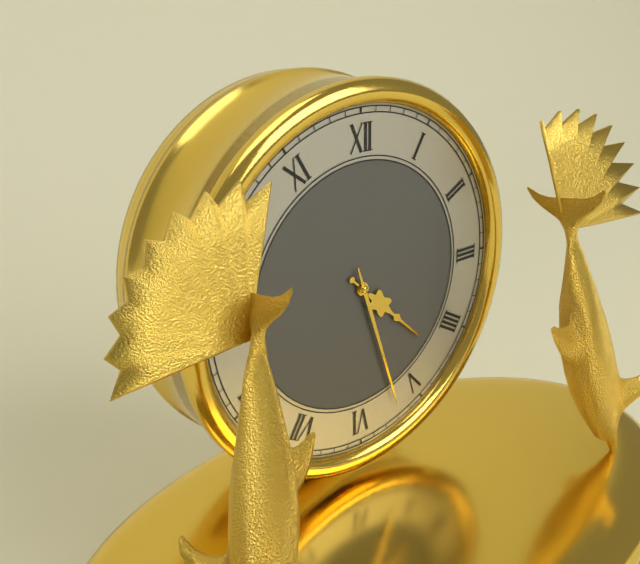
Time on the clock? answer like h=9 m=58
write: h=4 m=27
